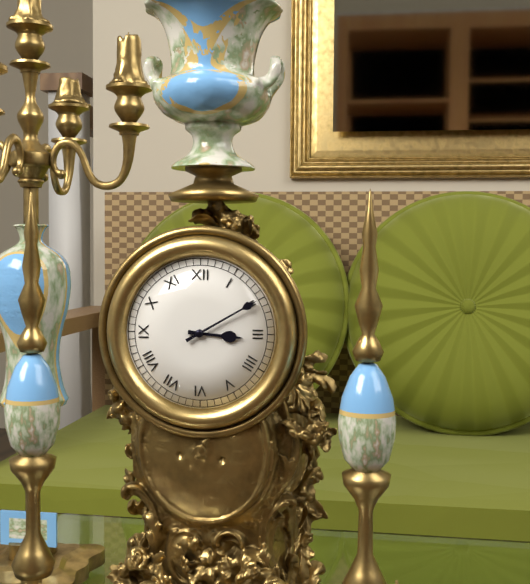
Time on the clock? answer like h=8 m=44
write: h=3 m=10
